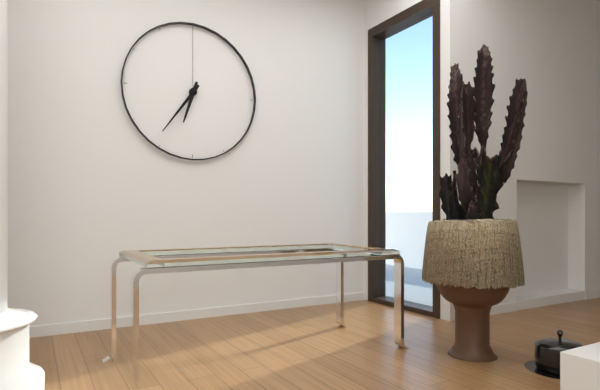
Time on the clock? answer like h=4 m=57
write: h=6 m=36
